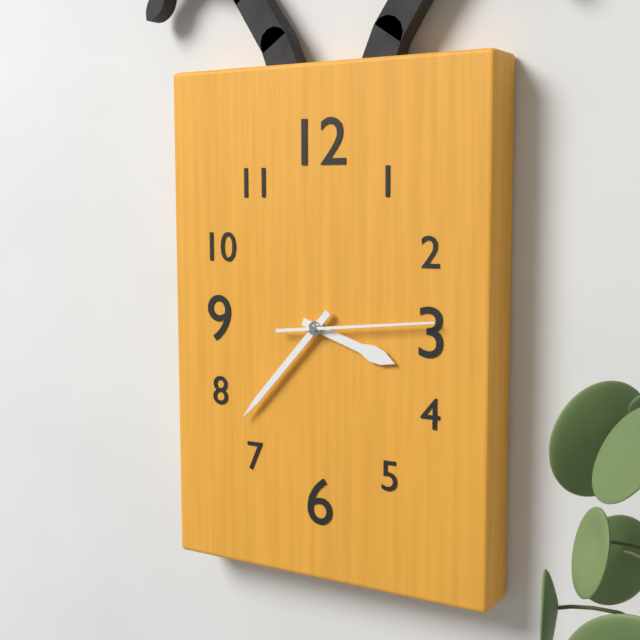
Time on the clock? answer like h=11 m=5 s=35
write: h=3 m=37 s=14
